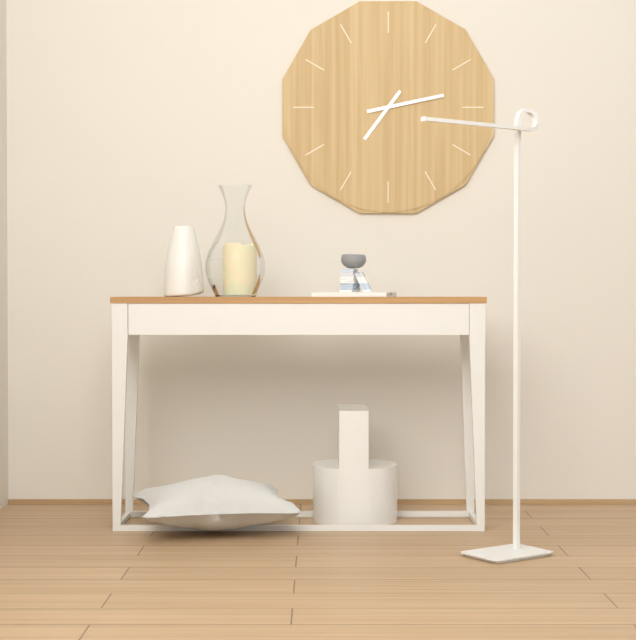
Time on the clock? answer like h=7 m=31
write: h=7 m=13
